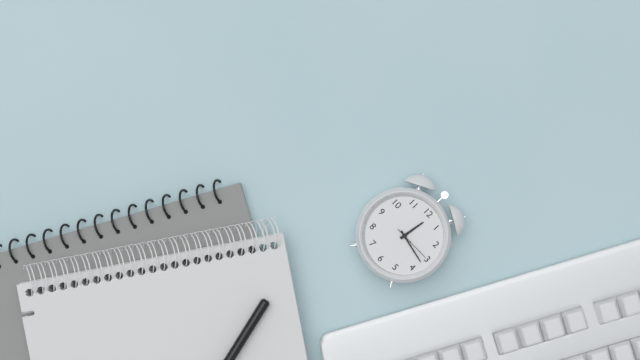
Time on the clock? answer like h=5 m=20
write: h=12 m=17
